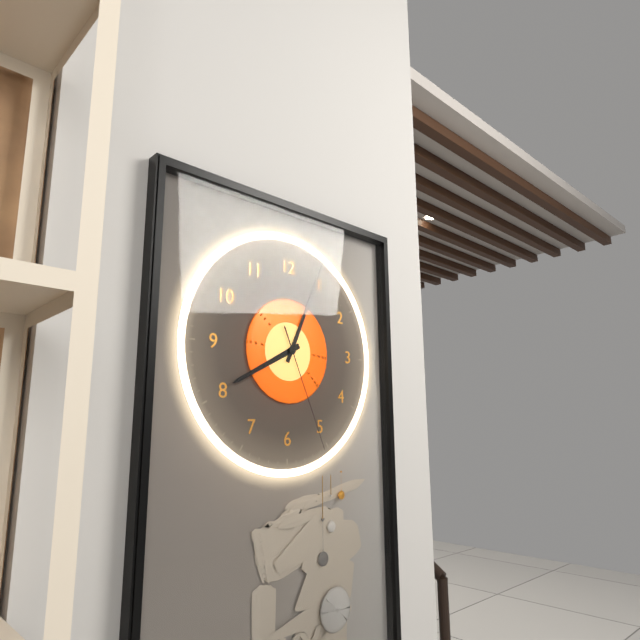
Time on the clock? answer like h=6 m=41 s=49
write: h=8 m=4 s=26
